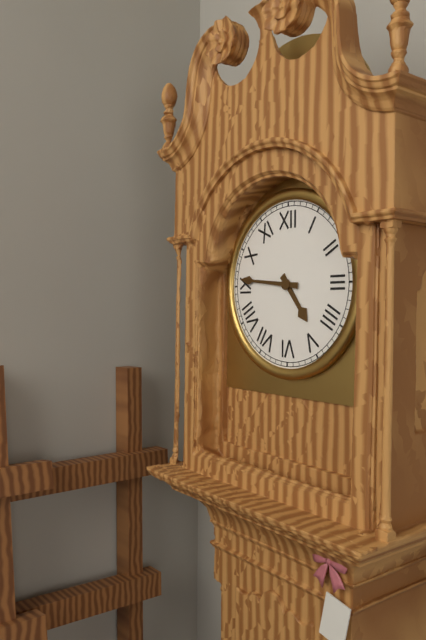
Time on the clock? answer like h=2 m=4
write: h=4 m=46
